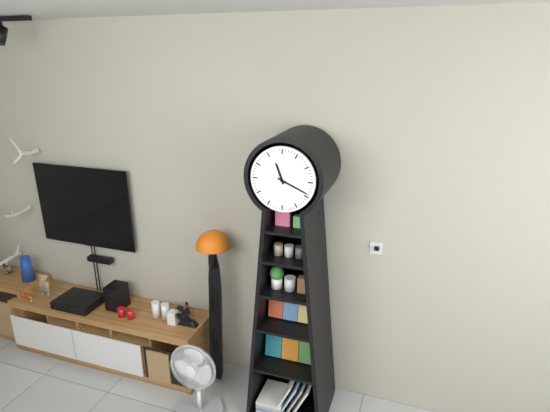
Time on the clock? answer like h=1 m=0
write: h=11 m=19
